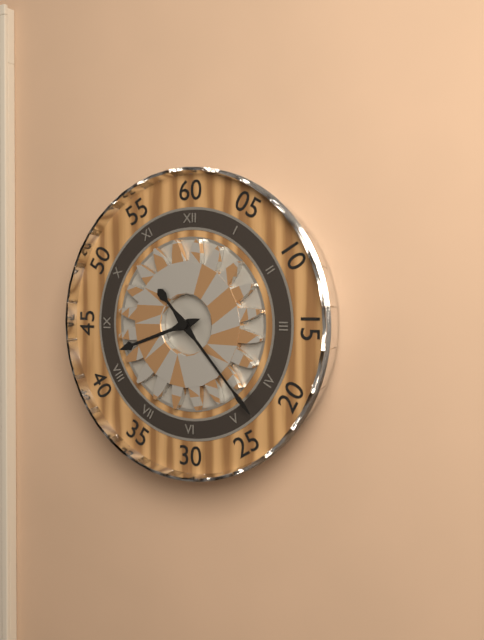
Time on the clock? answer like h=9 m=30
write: h=8 m=23
